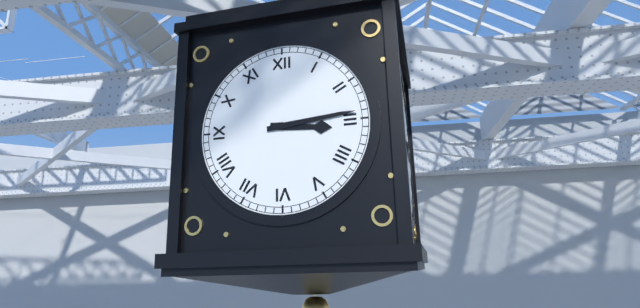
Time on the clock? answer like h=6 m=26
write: h=3 m=14
